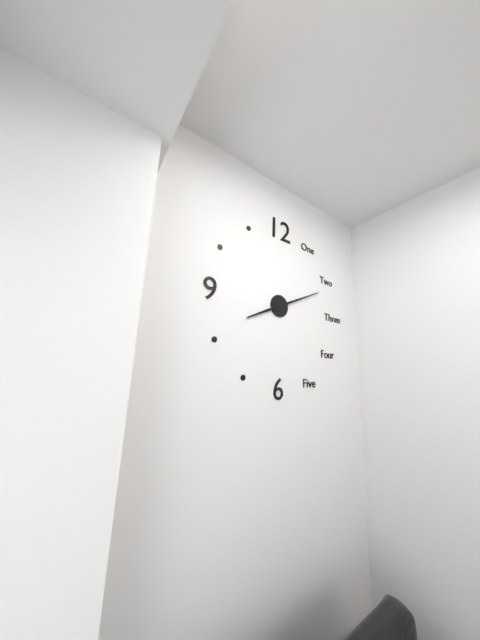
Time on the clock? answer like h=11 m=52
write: h=8 m=11
